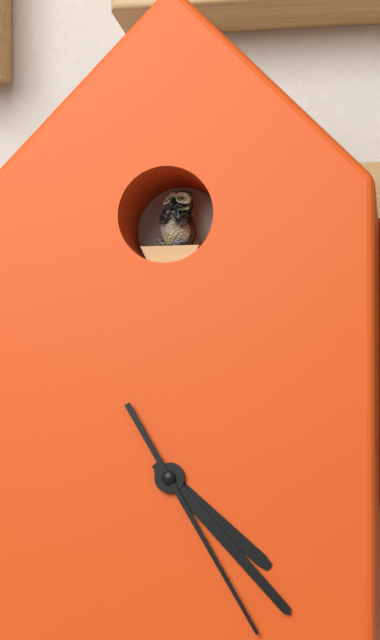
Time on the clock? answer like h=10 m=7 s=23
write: h=4 m=23 s=25
